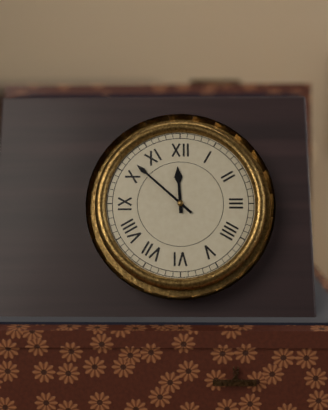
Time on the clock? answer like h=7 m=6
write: h=11 m=52
